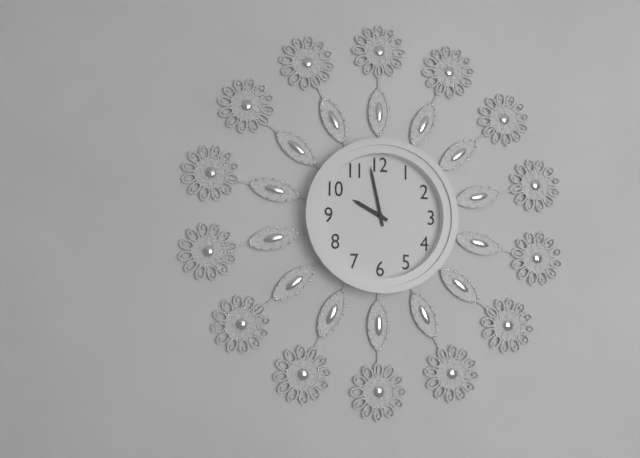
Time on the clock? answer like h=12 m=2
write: h=9 m=58
